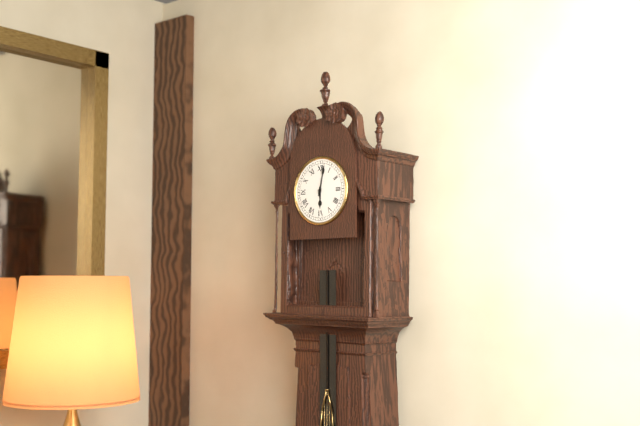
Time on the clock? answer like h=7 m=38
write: h=6 m=2
